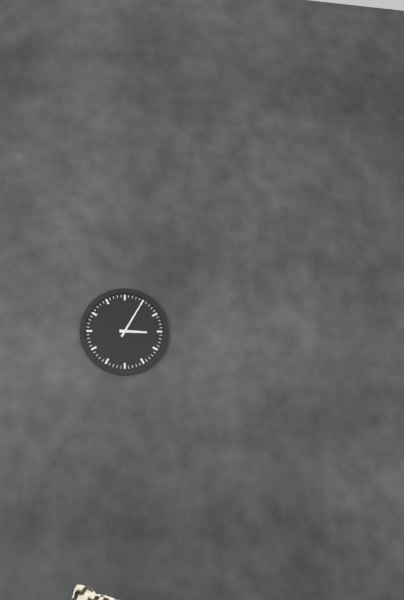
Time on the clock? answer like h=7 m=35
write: h=3 m=5
